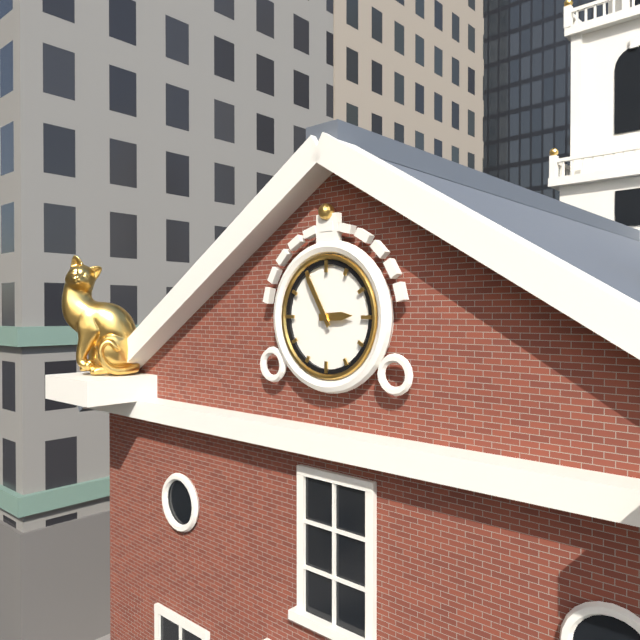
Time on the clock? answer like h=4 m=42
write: h=2 m=55
